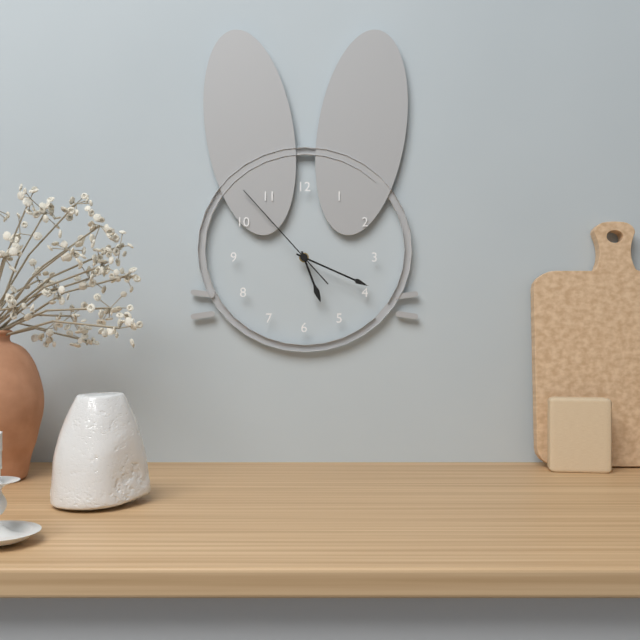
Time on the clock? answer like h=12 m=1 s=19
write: h=5 m=19 s=53
